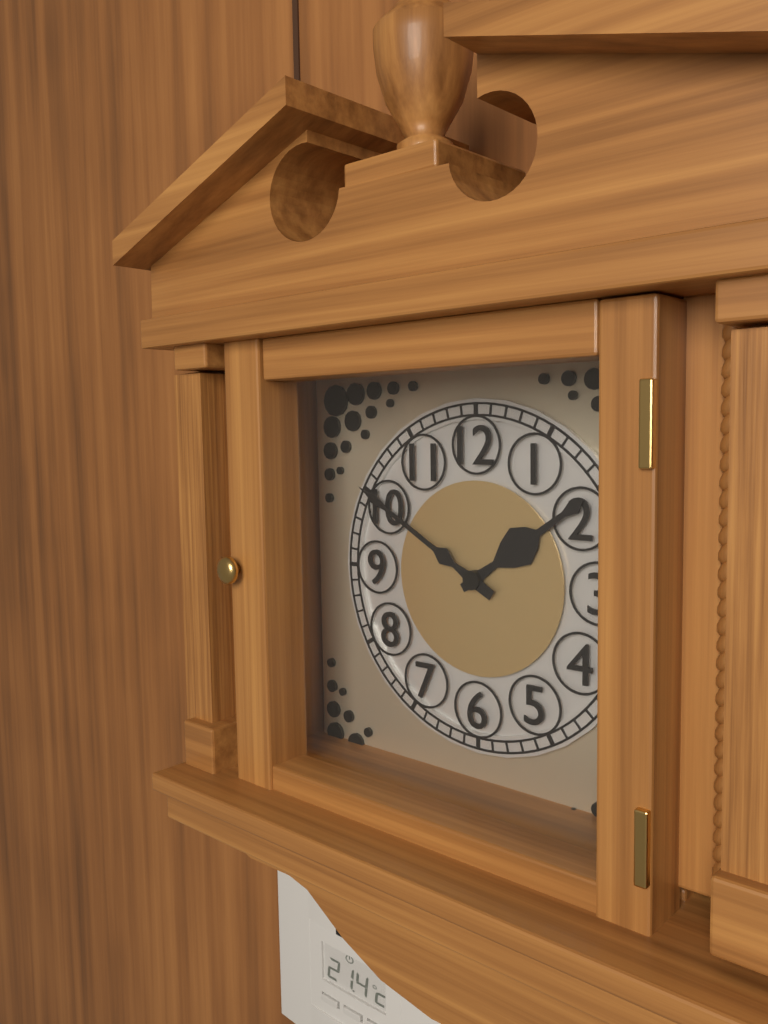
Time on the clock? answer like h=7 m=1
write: h=1 m=50
